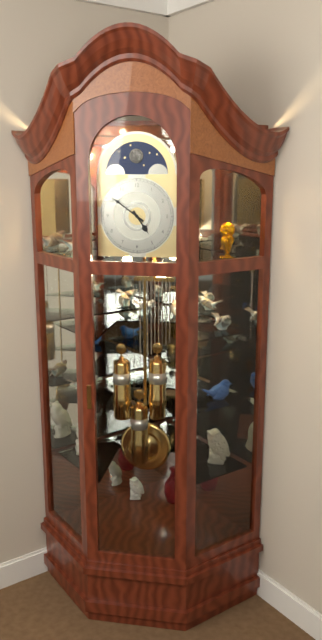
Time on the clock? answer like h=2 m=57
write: h=4 m=51
